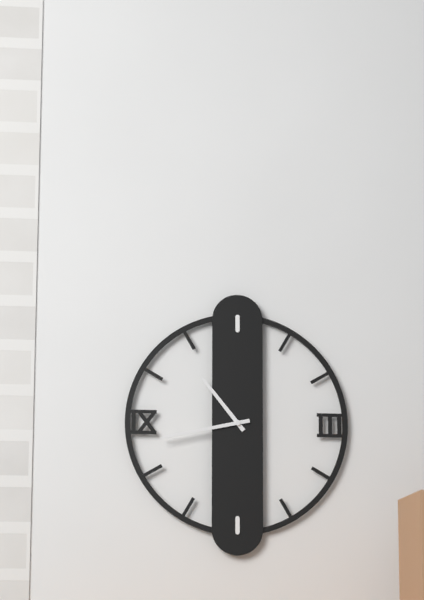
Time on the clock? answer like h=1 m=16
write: h=10 m=43
